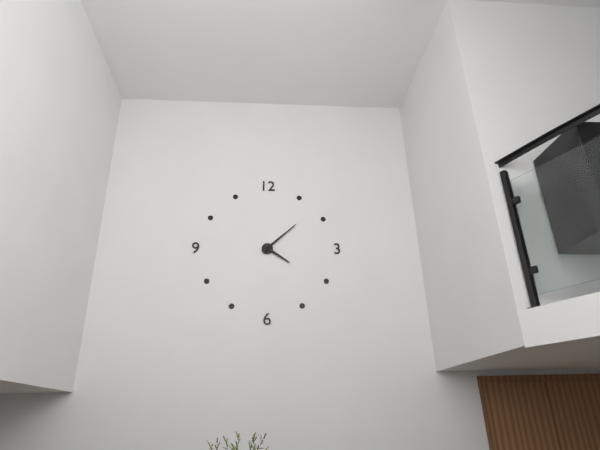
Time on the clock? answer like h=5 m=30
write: h=4 m=8
